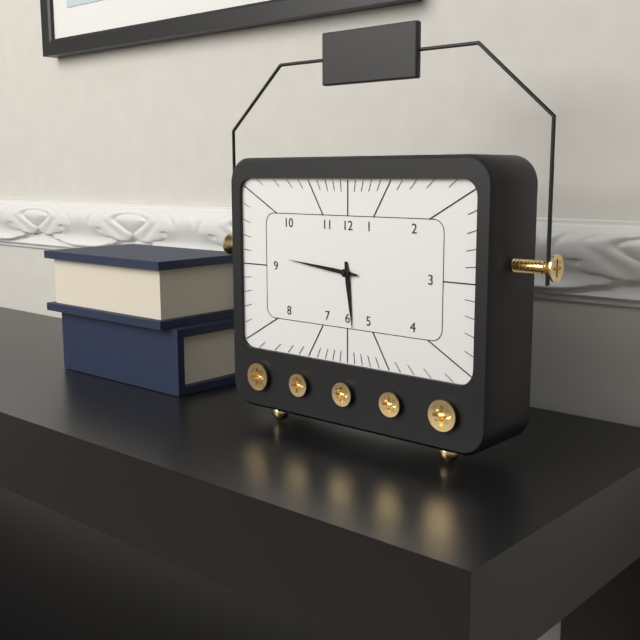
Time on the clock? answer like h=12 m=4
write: h=5 m=46
